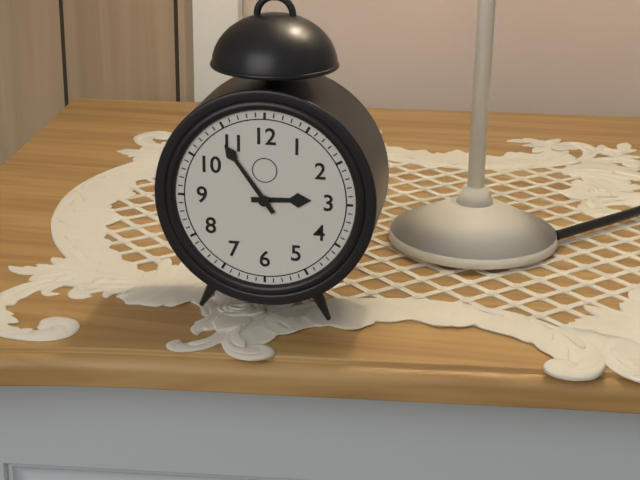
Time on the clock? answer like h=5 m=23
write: h=2 m=54
